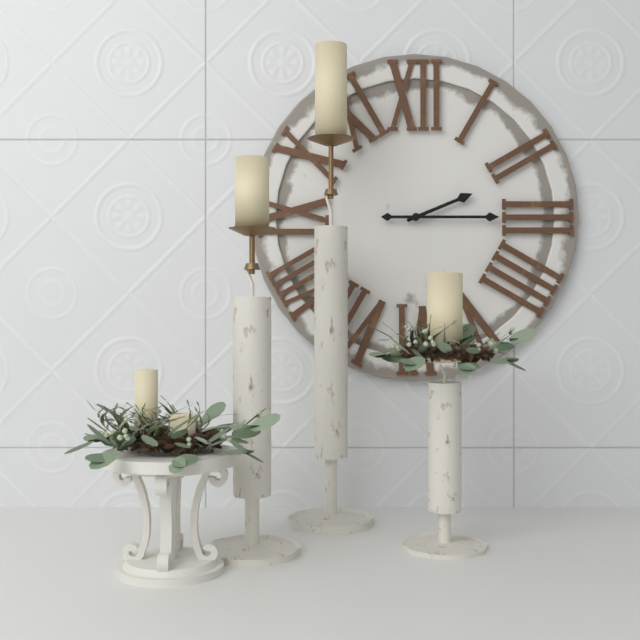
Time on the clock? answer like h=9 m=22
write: h=2 m=15
